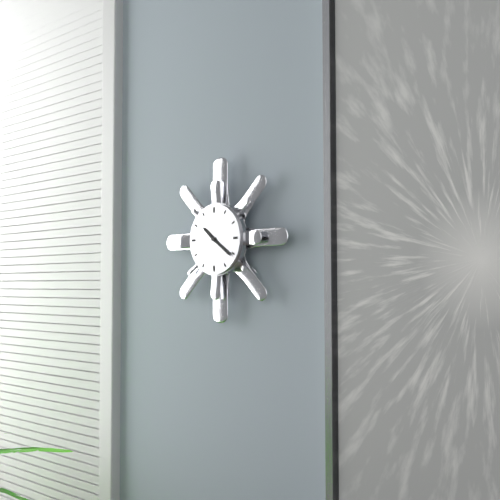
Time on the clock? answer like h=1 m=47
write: h=10 m=21
